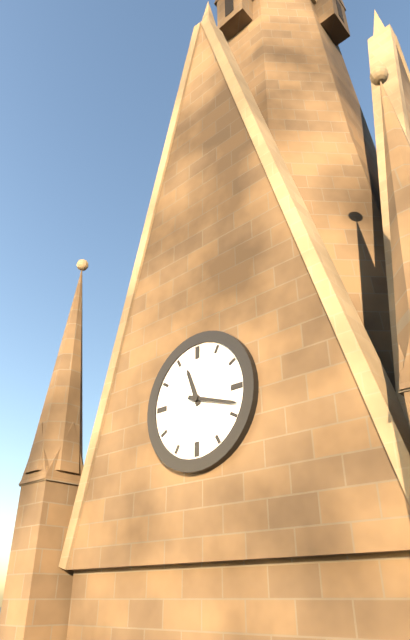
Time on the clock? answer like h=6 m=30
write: h=11 m=18
